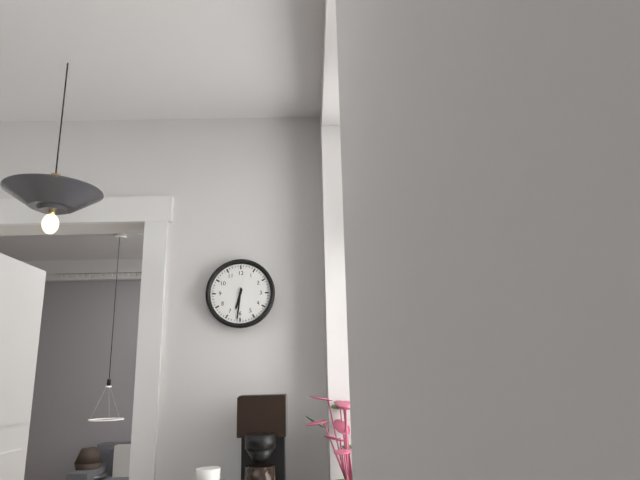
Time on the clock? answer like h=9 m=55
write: h=6 m=31
